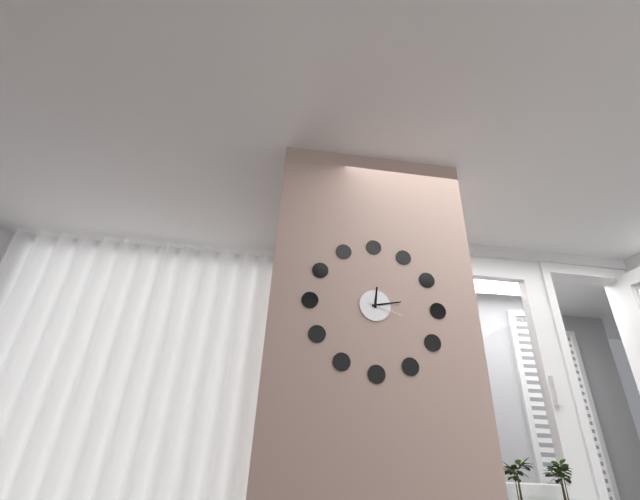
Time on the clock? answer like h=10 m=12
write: h=12 m=13
